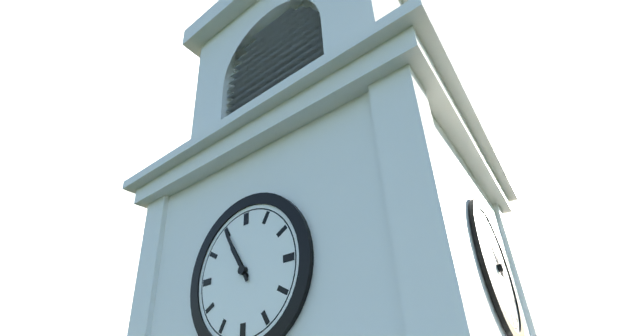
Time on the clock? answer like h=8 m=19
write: h=10 m=55
